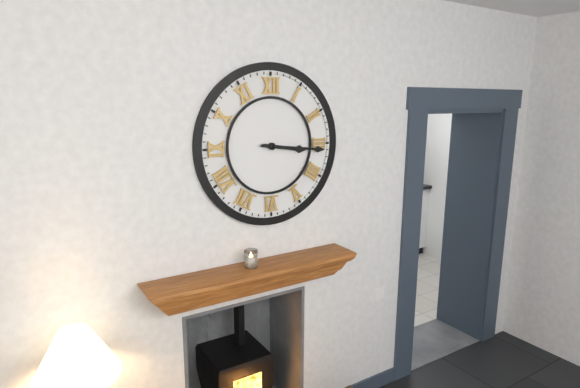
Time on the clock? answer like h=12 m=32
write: h=3 m=16
